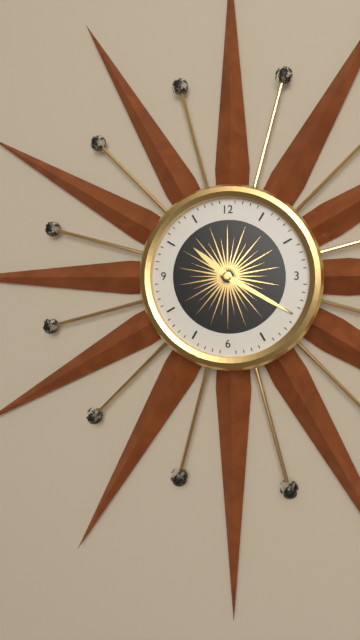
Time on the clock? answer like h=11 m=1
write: h=10 m=20
